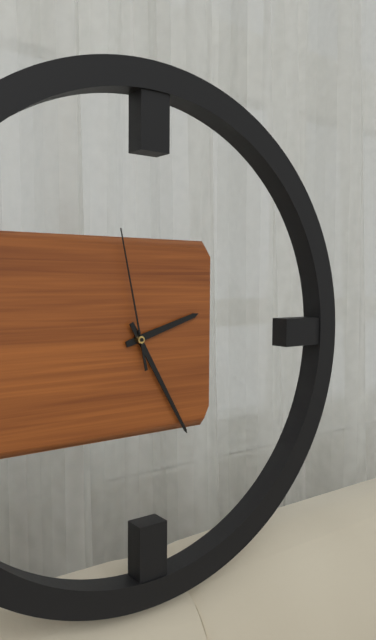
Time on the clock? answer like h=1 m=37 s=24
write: h=2 m=25 s=58
